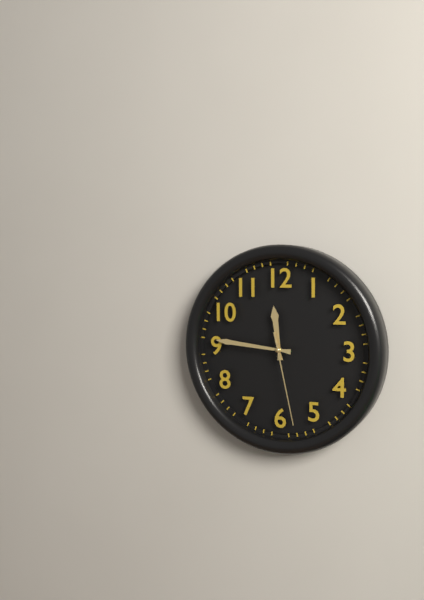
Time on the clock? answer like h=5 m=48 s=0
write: h=11 m=46 s=28
